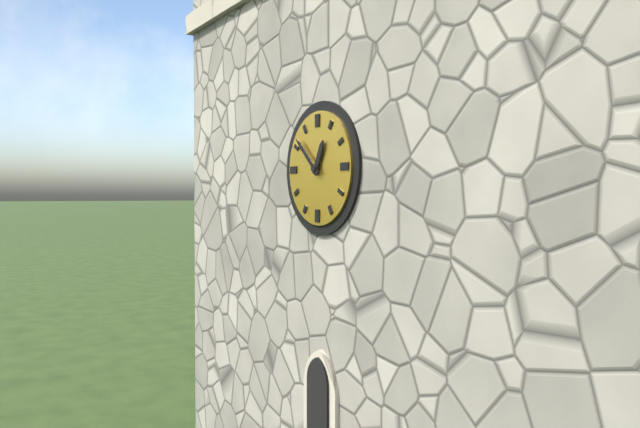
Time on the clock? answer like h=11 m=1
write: h=12 m=52
